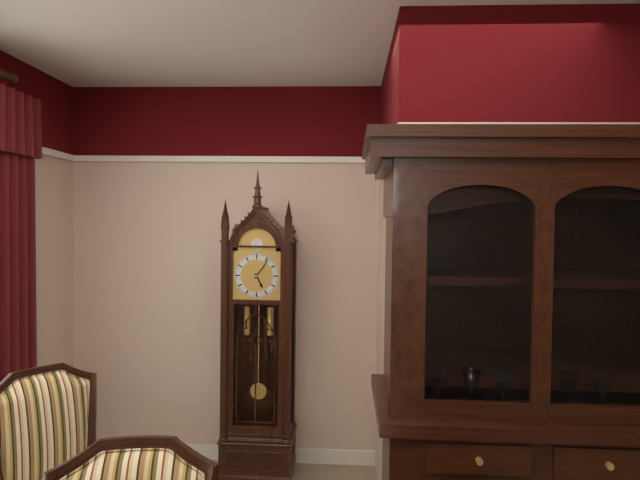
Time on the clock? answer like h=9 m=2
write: h=5 m=6
